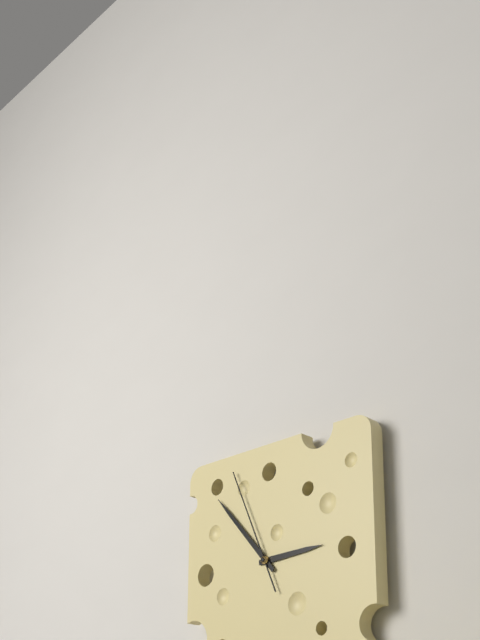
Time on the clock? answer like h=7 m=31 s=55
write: h=2 m=53 s=56
